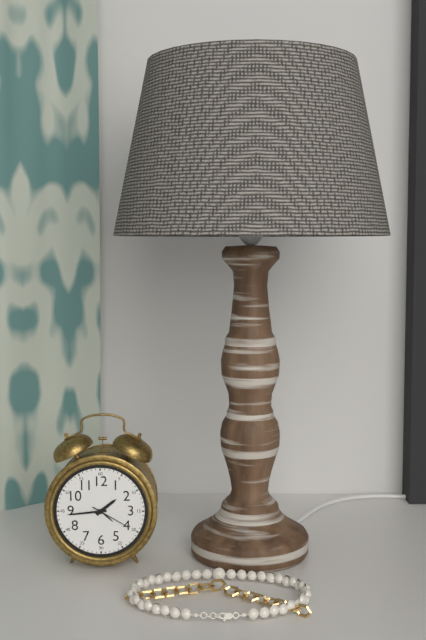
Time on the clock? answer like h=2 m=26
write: h=1 m=44
